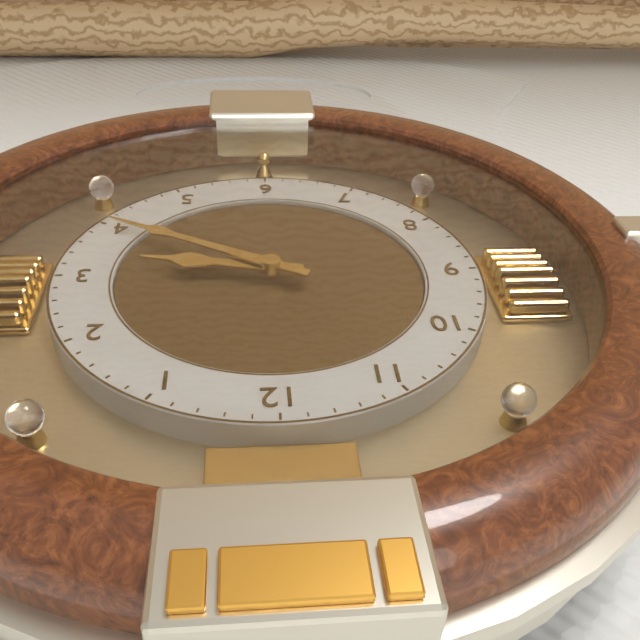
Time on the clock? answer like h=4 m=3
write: h=3 m=20
